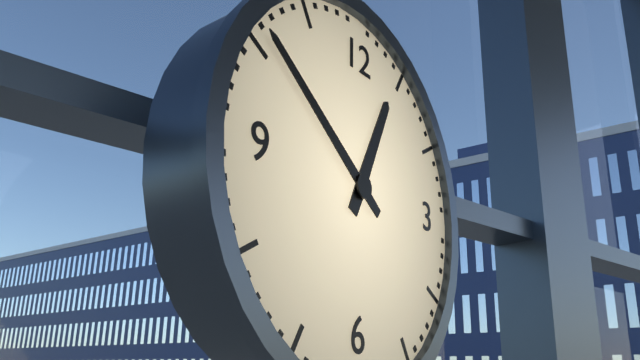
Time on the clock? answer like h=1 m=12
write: h=12 m=51
